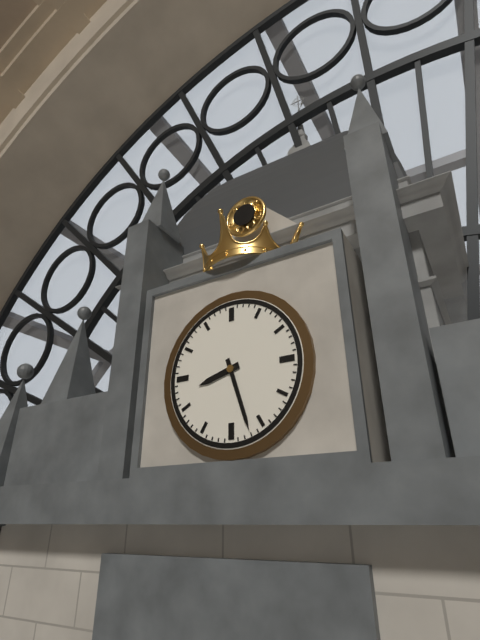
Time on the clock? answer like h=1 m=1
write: h=8 m=27
